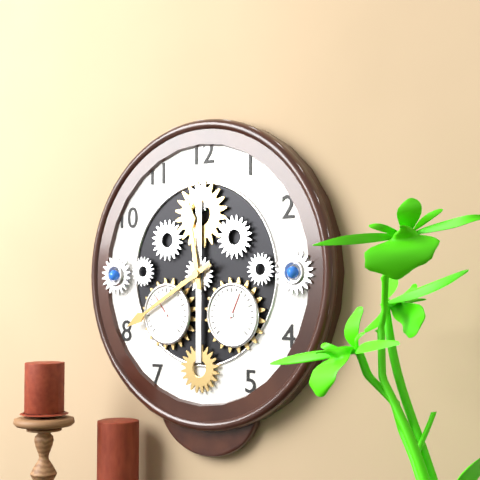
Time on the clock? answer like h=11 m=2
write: h=11 m=40
